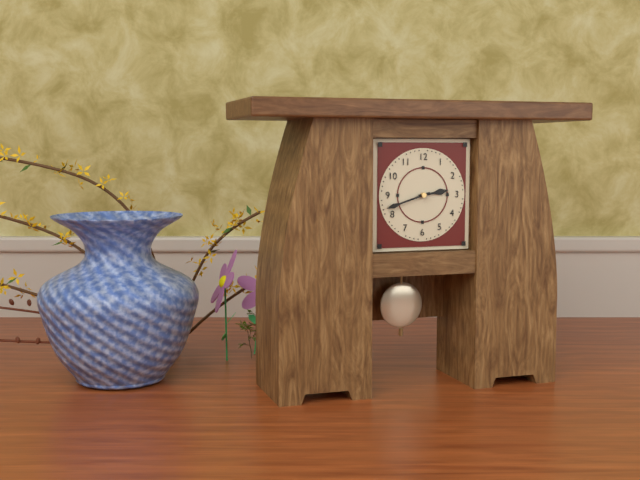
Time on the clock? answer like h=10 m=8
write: h=2 m=42
